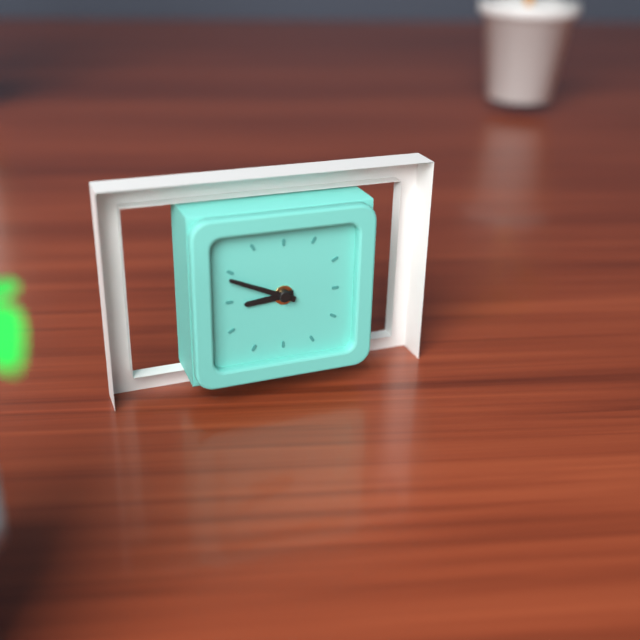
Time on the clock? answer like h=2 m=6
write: h=8 m=49
